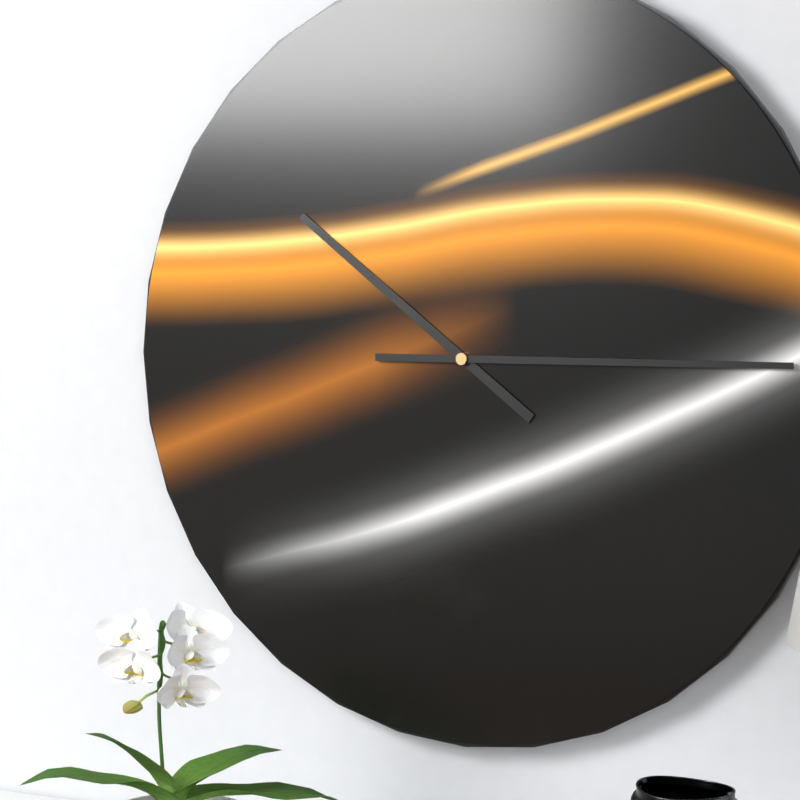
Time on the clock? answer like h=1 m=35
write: h=10 m=15
